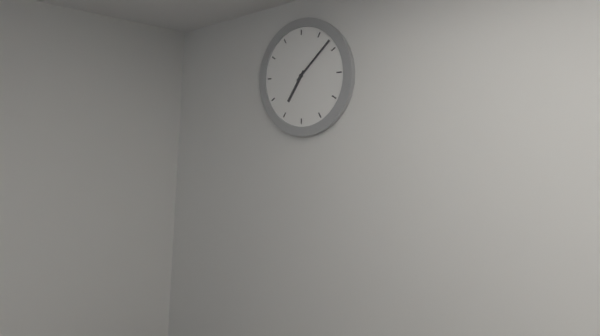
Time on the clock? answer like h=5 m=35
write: h=7 m=8
